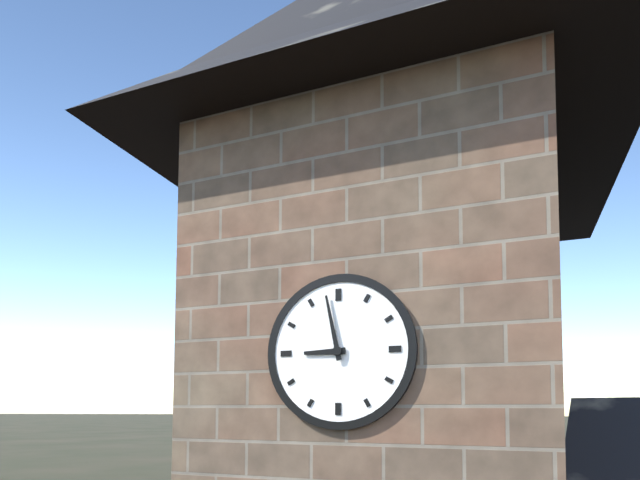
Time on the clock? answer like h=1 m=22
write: h=8 m=58
